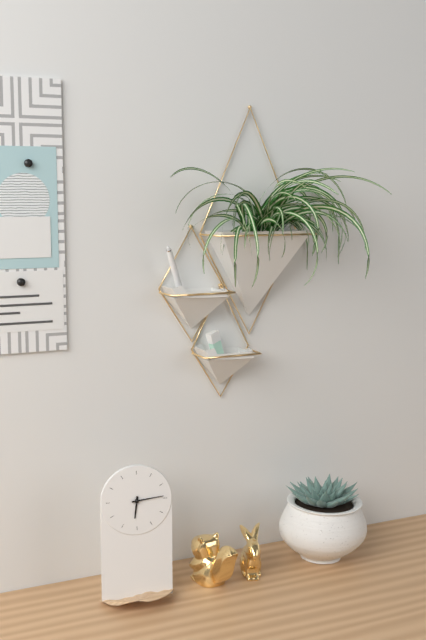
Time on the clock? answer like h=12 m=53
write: h=6 m=14
